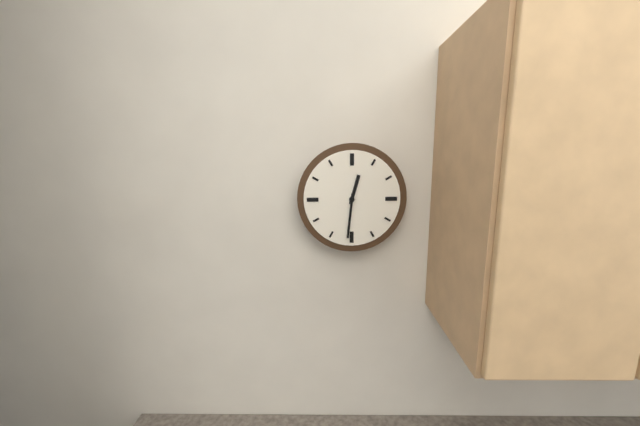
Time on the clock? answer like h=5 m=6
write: h=12 m=31
